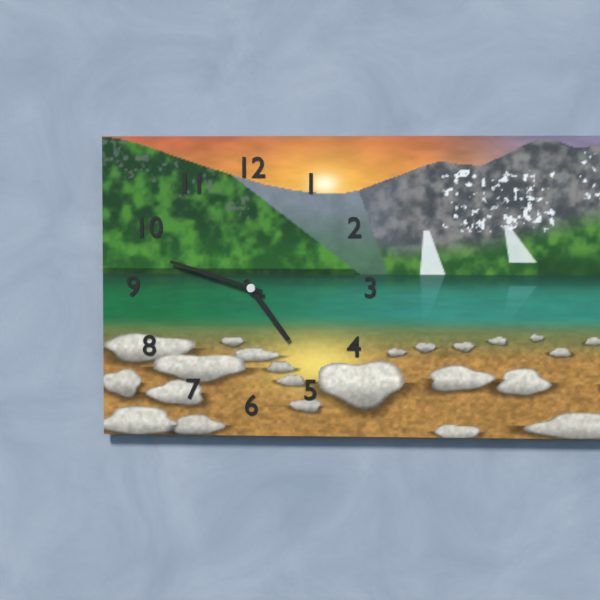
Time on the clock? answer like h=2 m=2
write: h=4 m=48
